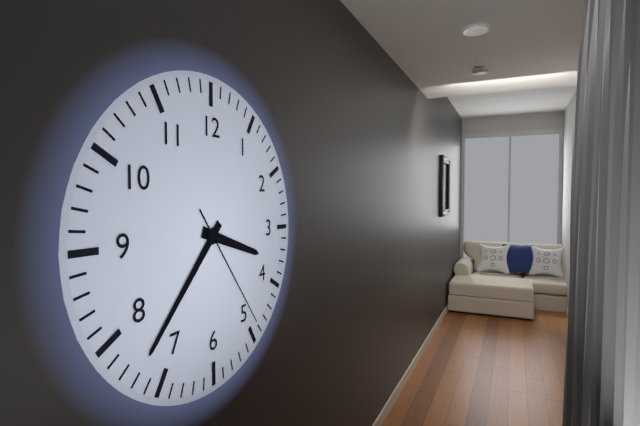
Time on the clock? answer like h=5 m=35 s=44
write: h=3 m=37 s=24
